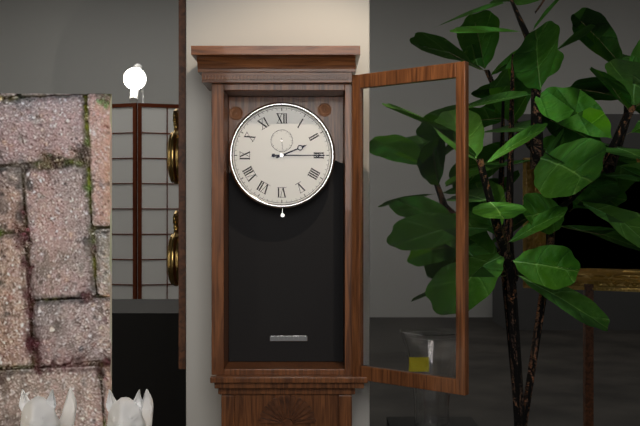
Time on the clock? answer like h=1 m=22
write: h=2 m=15
